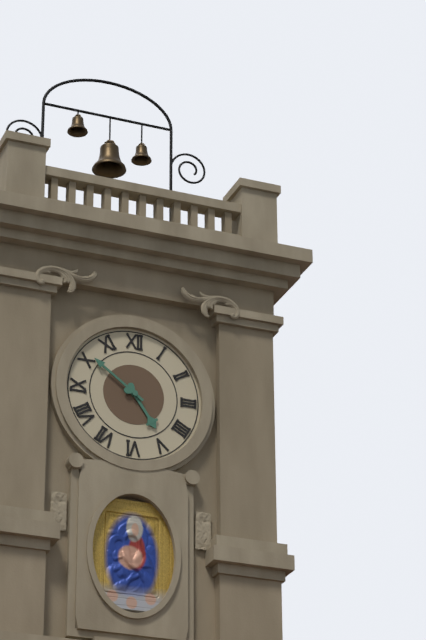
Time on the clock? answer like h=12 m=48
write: h=4 m=51
